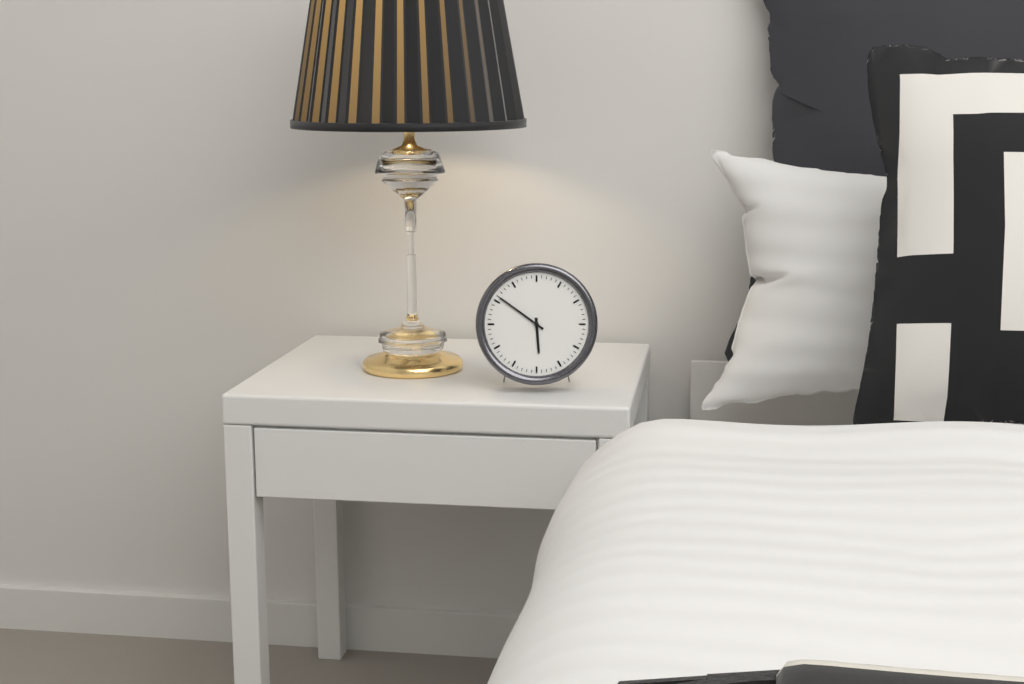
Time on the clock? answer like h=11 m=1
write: h=5 m=51
